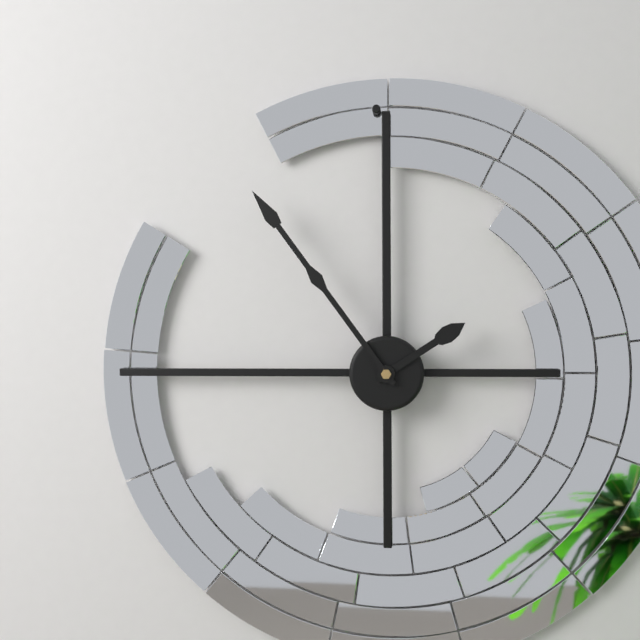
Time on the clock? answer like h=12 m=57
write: h=1 m=54
